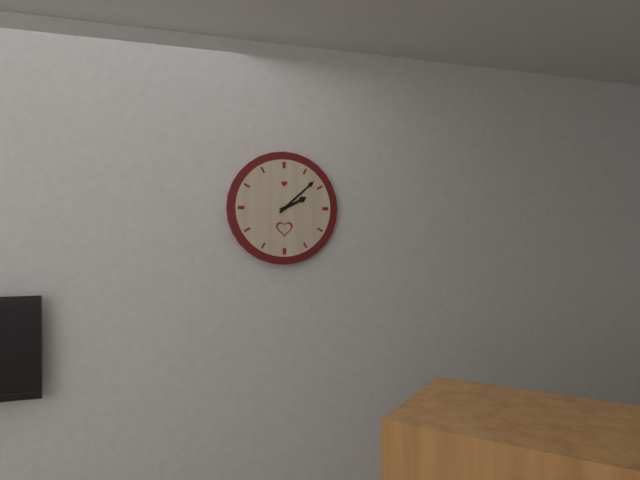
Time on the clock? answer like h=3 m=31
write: h=2 m=8
